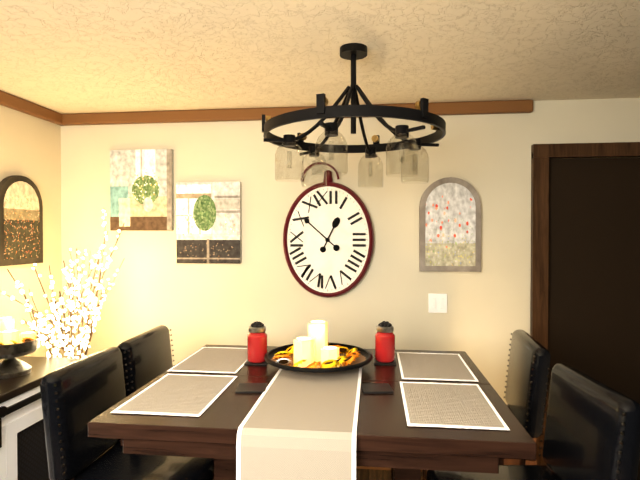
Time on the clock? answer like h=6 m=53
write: h=12 m=52
